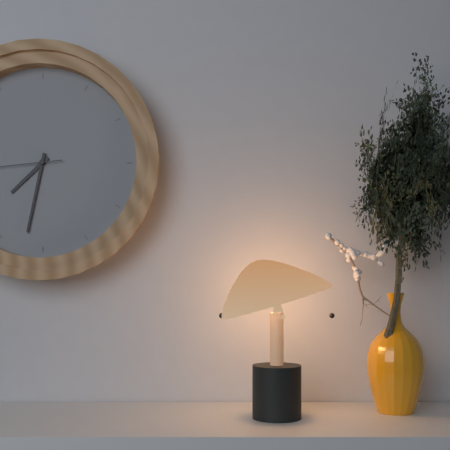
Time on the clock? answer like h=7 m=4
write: h=7 m=32
